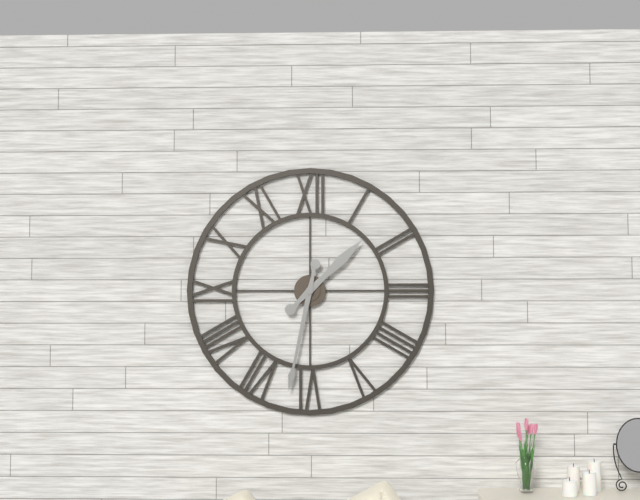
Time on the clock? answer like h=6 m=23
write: h=1 m=32
